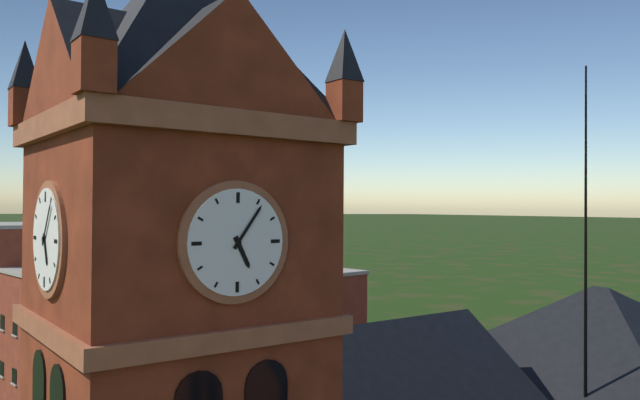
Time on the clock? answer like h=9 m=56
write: h=5 m=6
